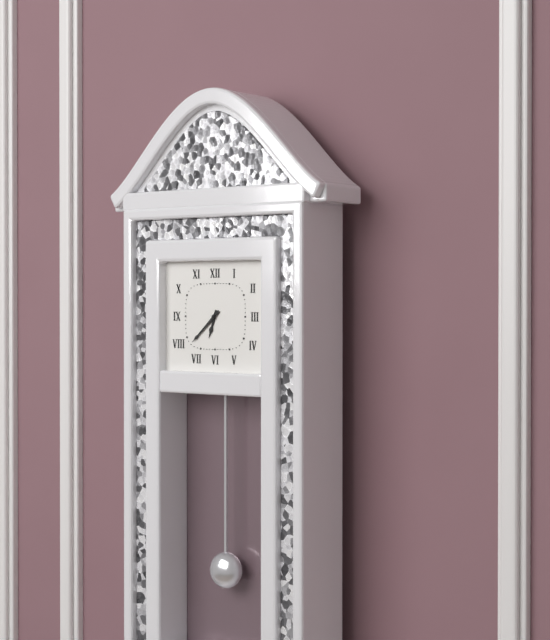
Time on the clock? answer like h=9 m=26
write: h=6 m=38
